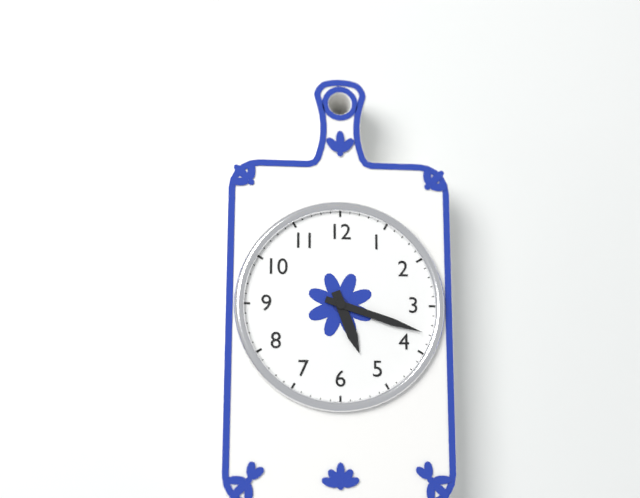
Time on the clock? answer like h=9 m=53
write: h=5 m=18
